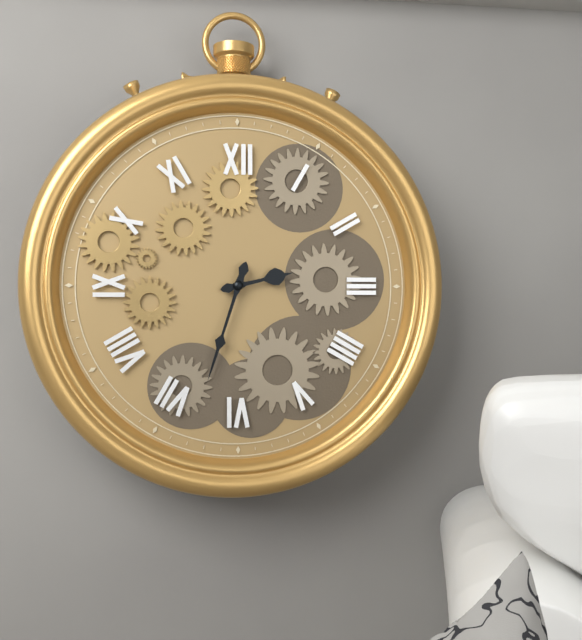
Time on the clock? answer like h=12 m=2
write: h=2 m=33
